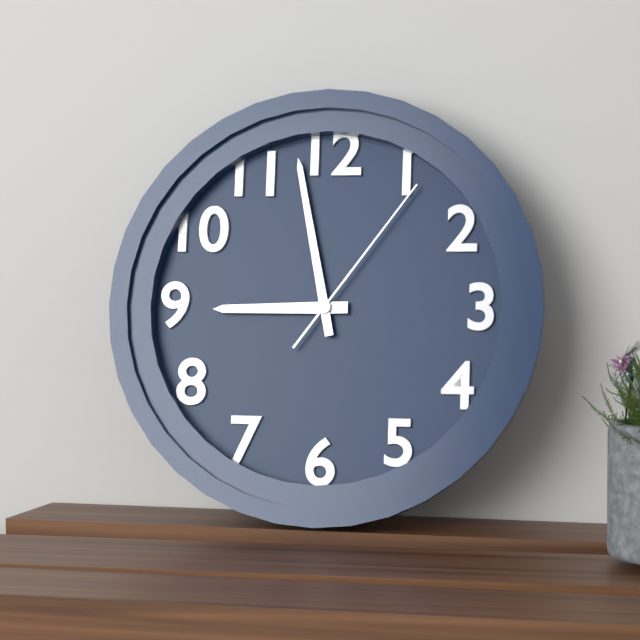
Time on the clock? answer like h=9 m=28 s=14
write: h=8 m=58 s=6
